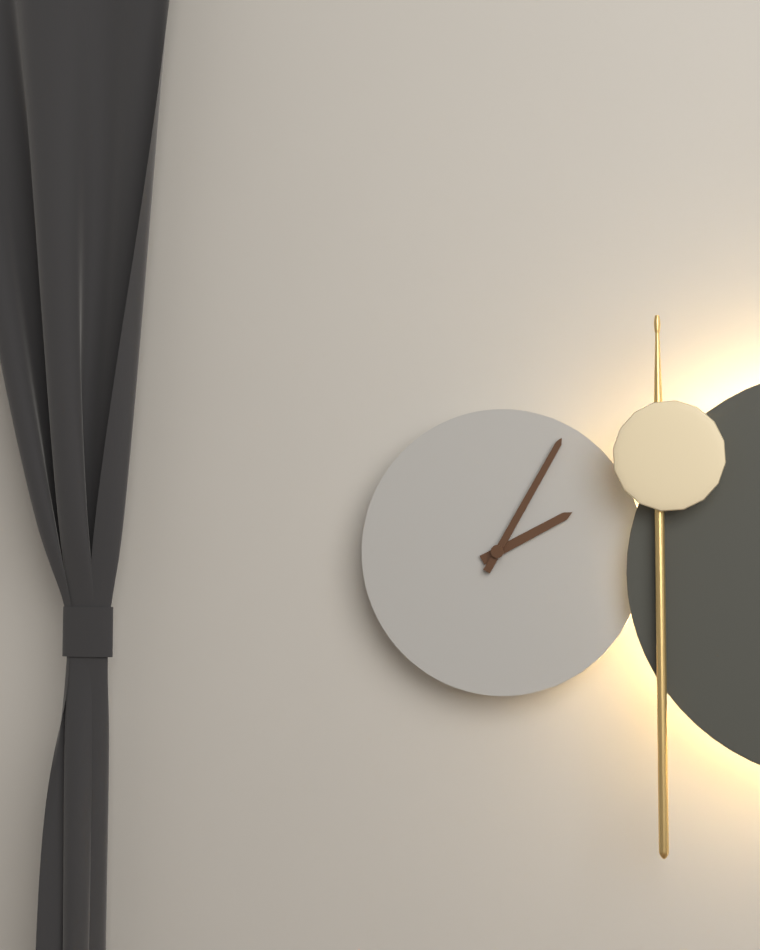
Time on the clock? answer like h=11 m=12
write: h=2 m=5
